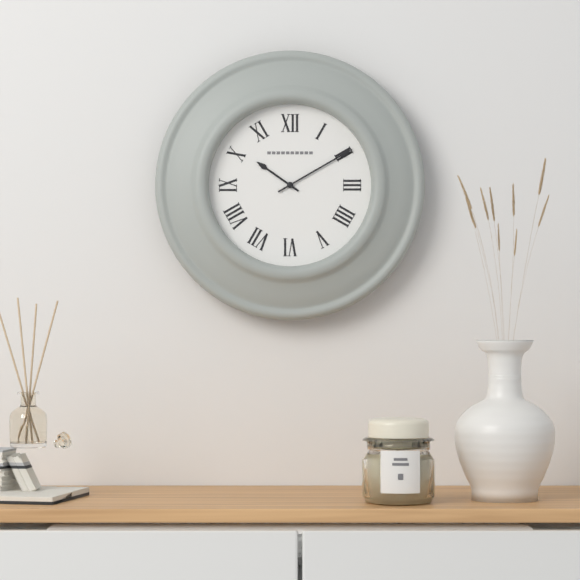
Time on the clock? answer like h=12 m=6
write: h=10 m=10
